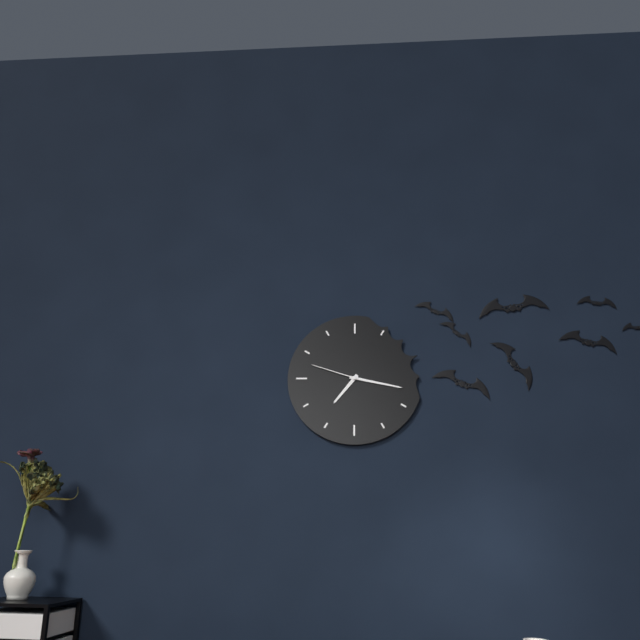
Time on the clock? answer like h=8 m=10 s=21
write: h=7 m=17 s=48
